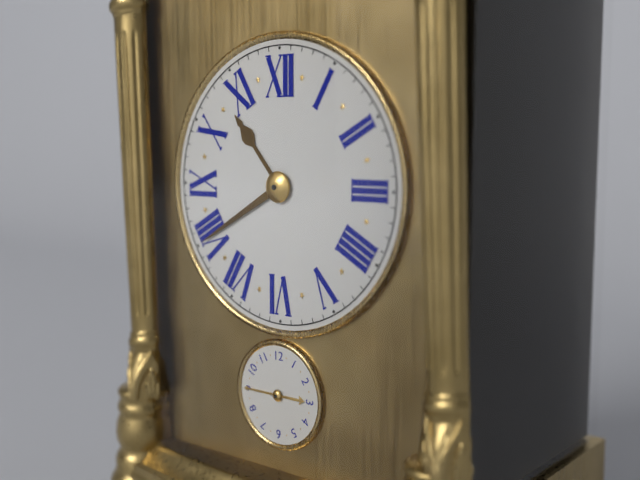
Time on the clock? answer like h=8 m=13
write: h=10 m=40
